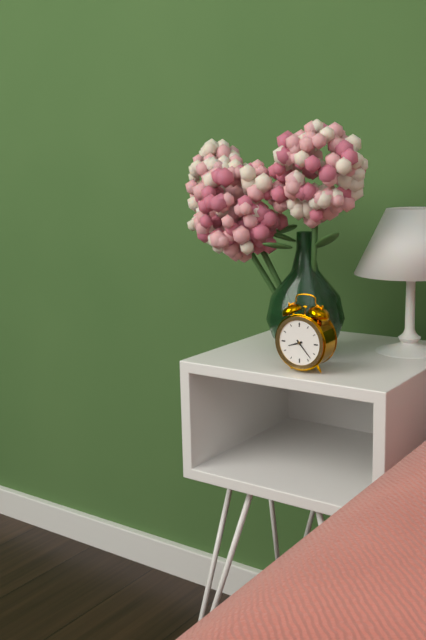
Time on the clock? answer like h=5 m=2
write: h=8 m=23
